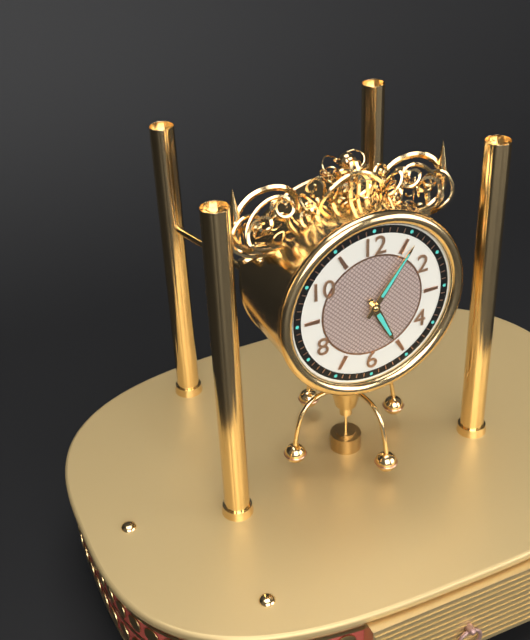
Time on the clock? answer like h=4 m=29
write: h=5 m=6
